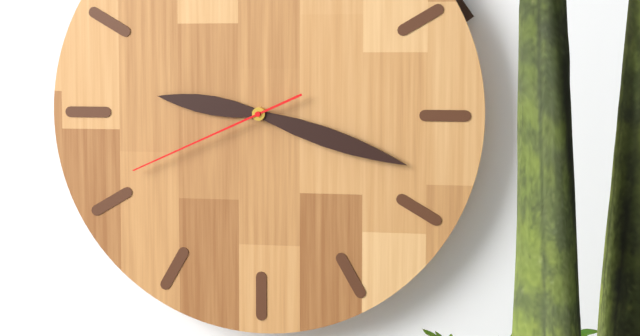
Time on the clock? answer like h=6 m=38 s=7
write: h=9 m=18 s=41
